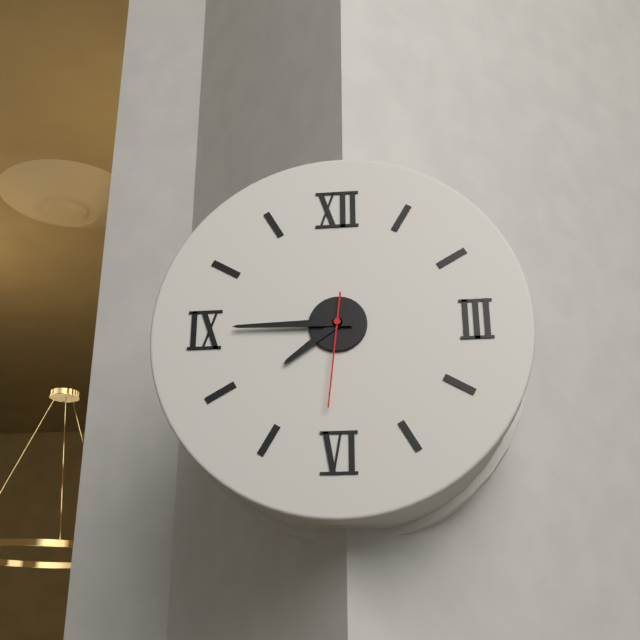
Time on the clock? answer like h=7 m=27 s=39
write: h=7 m=45 s=31
